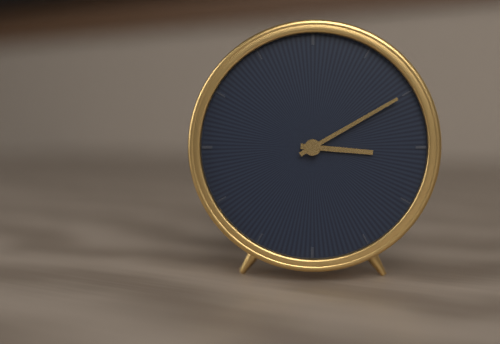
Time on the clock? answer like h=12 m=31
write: h=3 m=10
